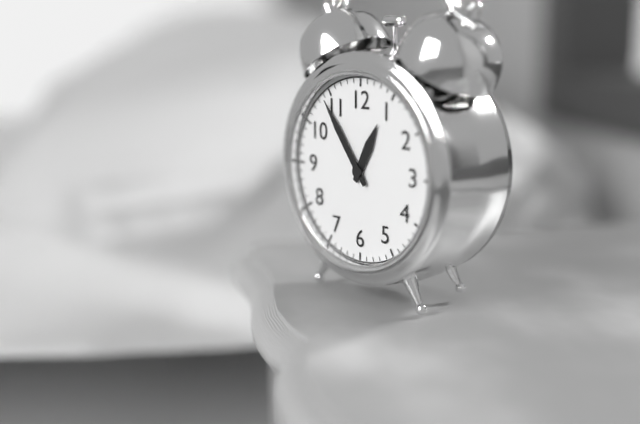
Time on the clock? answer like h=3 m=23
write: h=12 m=54
